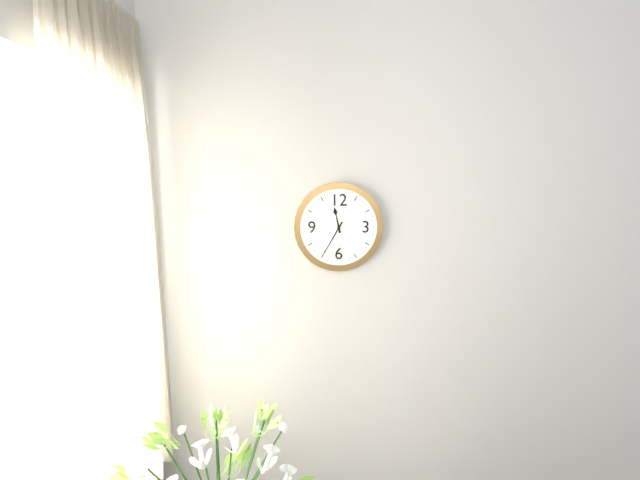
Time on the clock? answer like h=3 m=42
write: h=11 m=35
